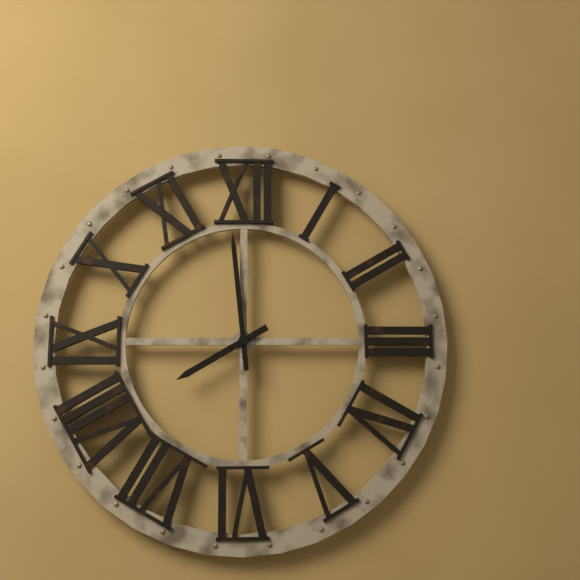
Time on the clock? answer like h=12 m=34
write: h=7 m=59
